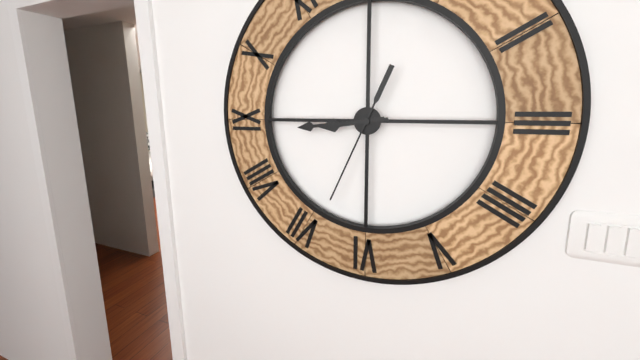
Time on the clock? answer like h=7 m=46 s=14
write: h=8 m=44 s=34
